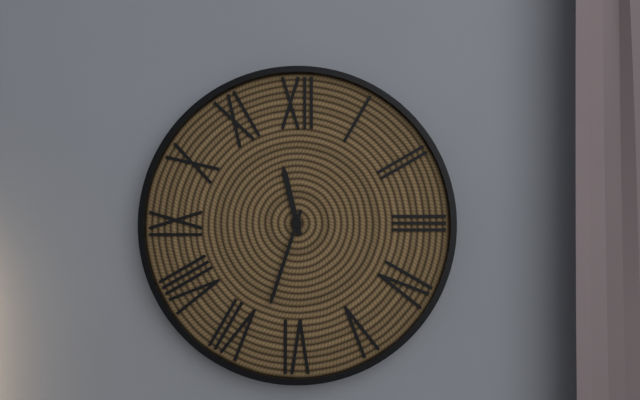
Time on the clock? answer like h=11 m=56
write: h=11 m=33
